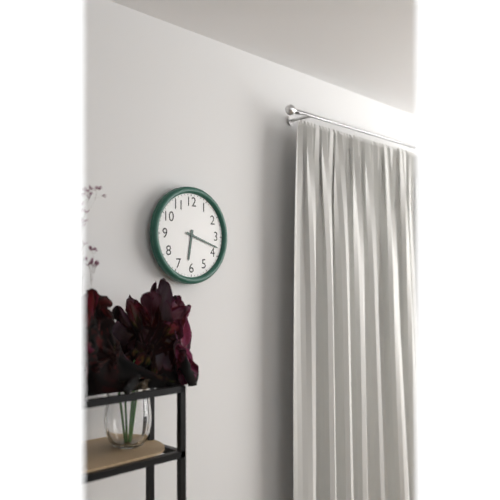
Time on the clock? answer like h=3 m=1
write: h=6 m=18
